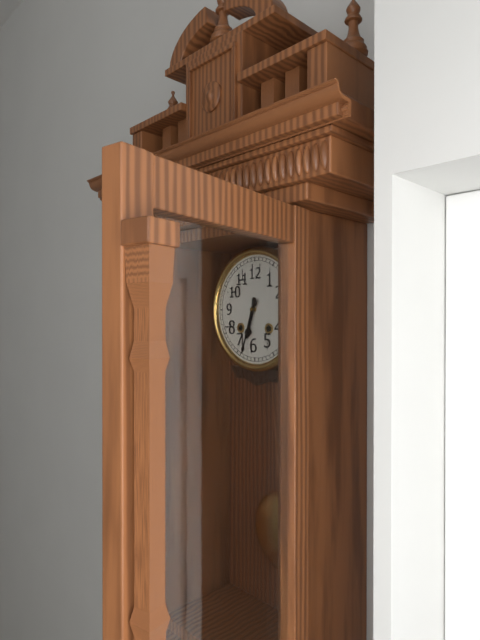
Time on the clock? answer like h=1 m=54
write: h=6 m=33
